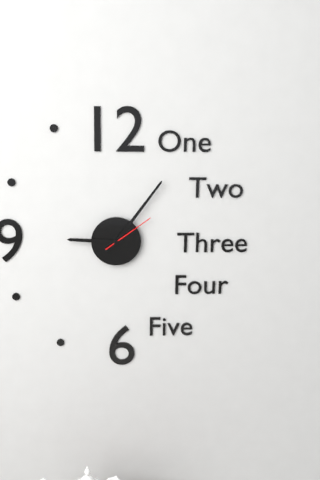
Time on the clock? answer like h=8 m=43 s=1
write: h=9 m=6 s=9
